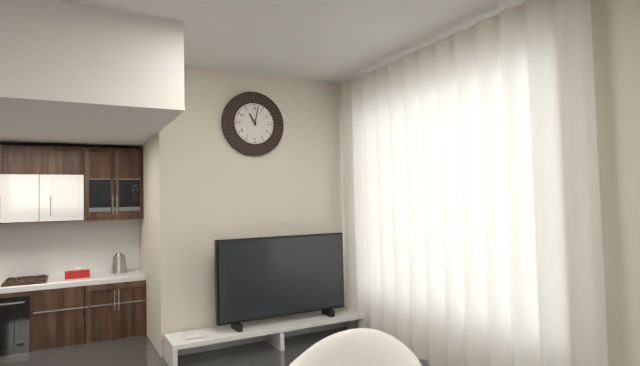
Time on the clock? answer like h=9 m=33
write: h=11 m=2
